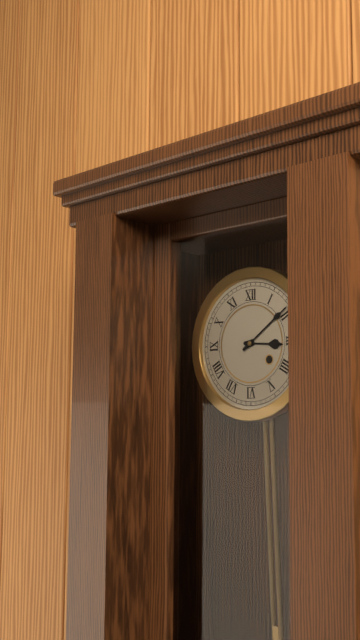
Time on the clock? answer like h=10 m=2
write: h=3 m=9
